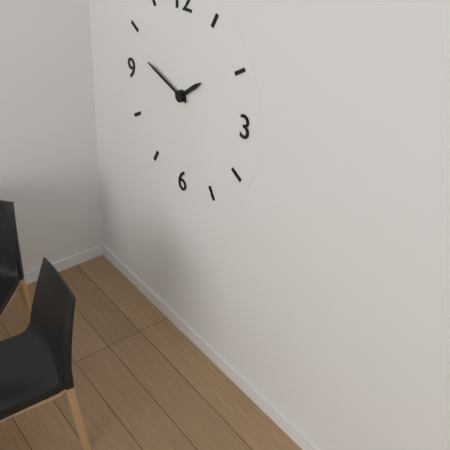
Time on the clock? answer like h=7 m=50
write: h=1 m=48
